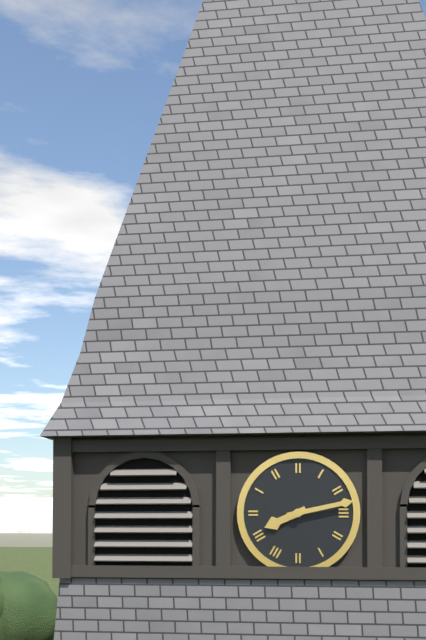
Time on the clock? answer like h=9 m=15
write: h=8 m=13
